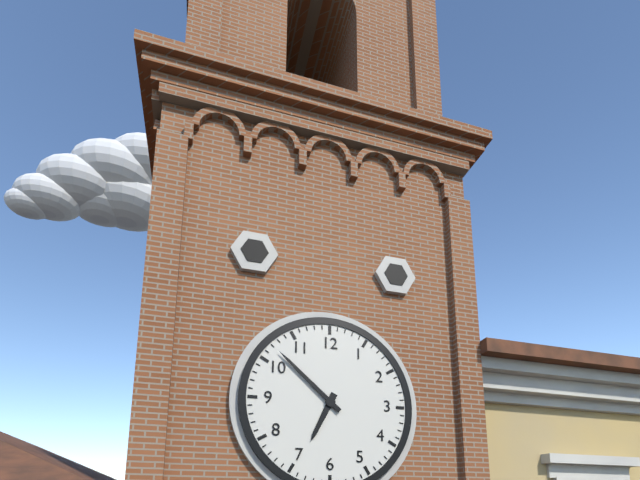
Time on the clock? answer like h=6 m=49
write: h=6 m=52
